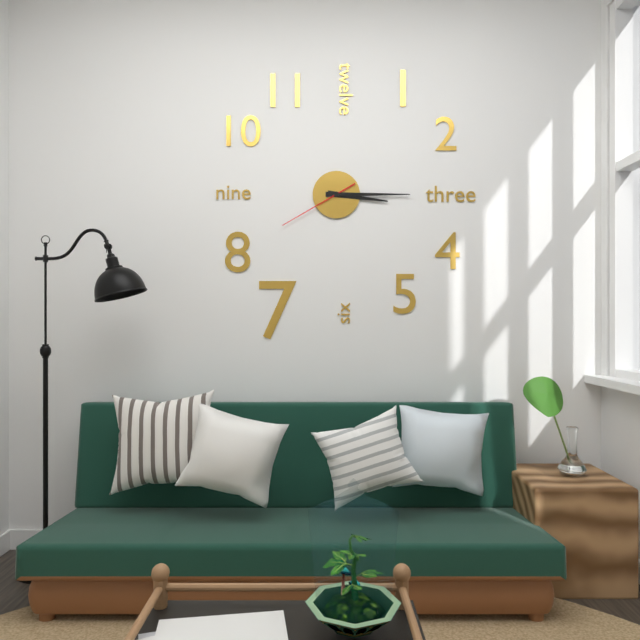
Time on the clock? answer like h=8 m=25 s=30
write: h=3 m=15 s=40
